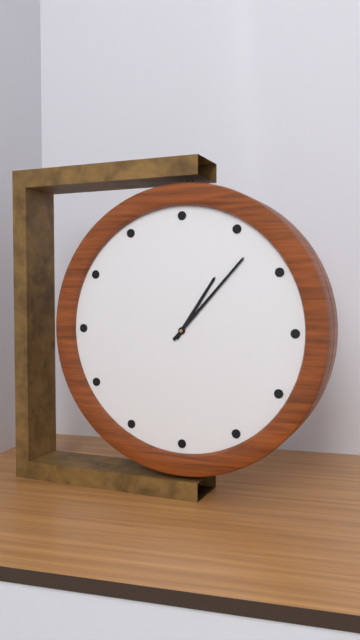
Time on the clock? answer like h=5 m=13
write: h=1 m=7
